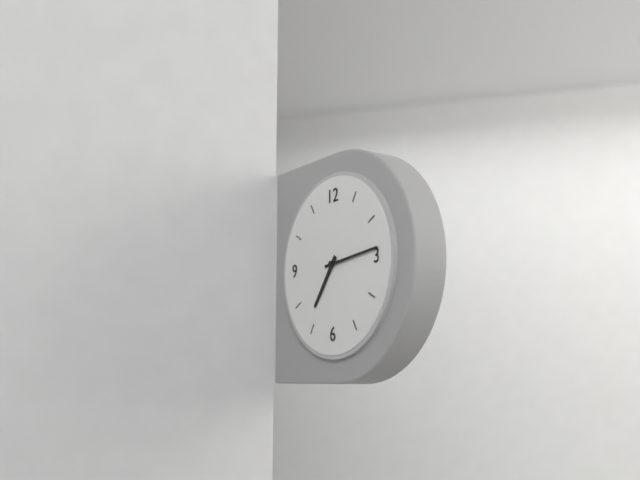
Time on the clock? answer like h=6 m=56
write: h=7 m=14
